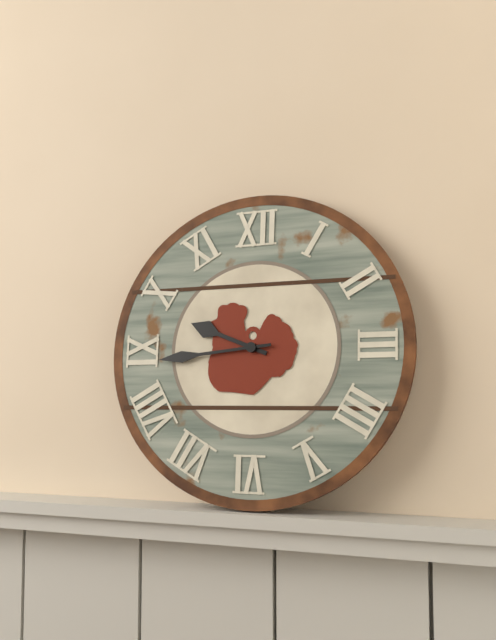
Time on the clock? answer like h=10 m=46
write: h=9 m=44
